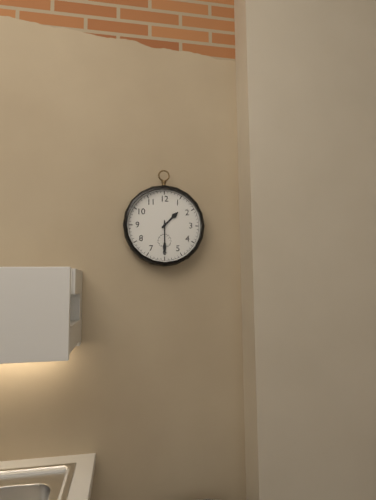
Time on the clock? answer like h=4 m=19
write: h=1 m=30
